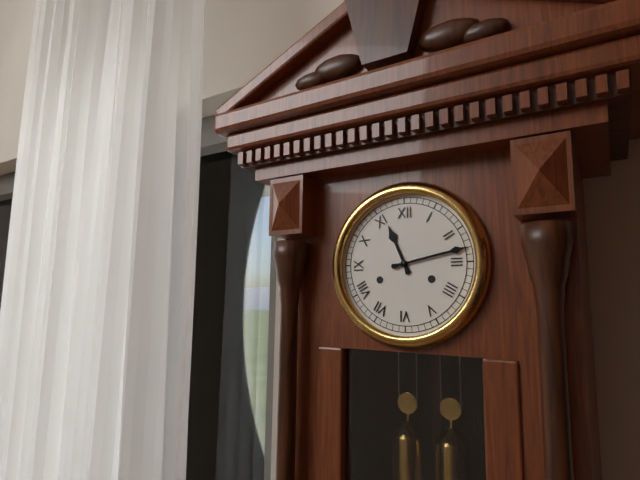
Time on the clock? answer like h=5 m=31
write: h=11 m=13
